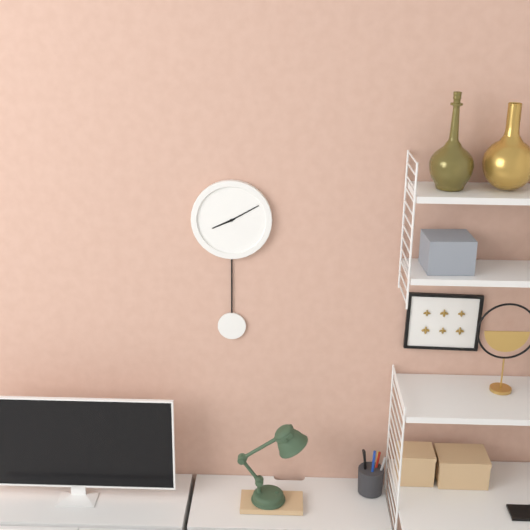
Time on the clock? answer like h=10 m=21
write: h=8 m=10
